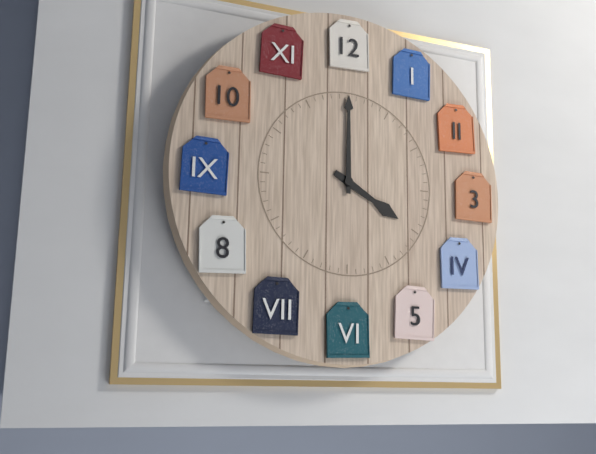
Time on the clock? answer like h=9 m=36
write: h=4 m=0
